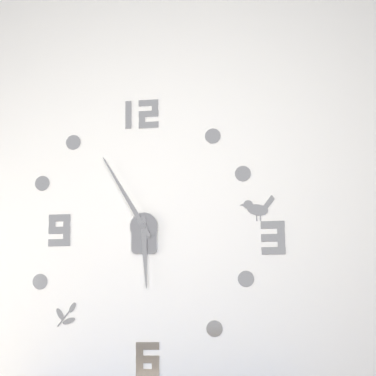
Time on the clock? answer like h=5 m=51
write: h=5 m=55
